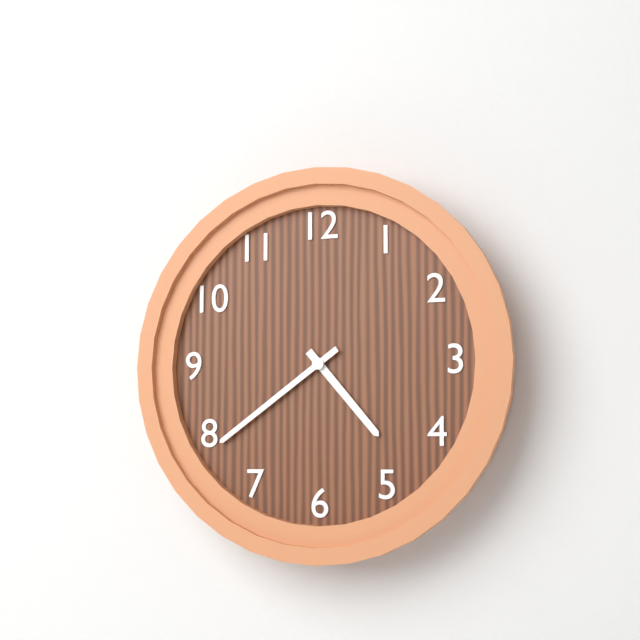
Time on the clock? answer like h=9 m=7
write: h=4 m=39
